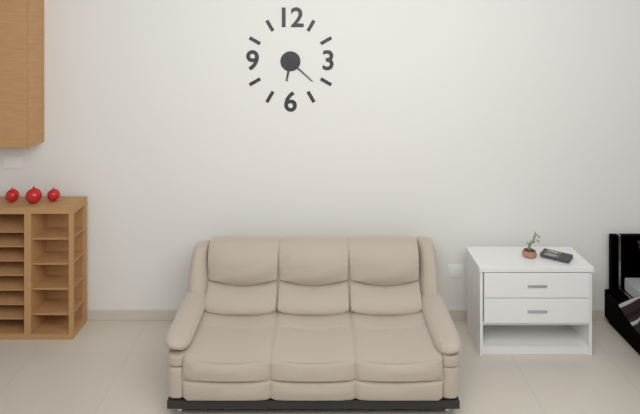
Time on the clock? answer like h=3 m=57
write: h=6 m=22
